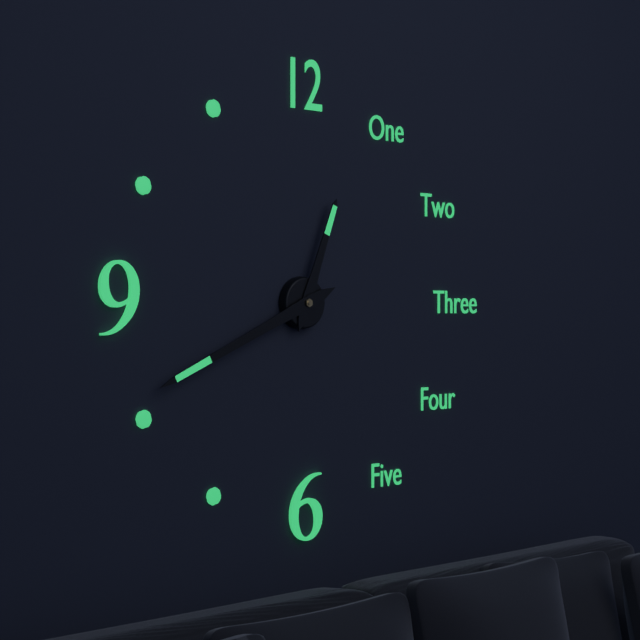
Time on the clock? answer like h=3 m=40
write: h=12 m=41
